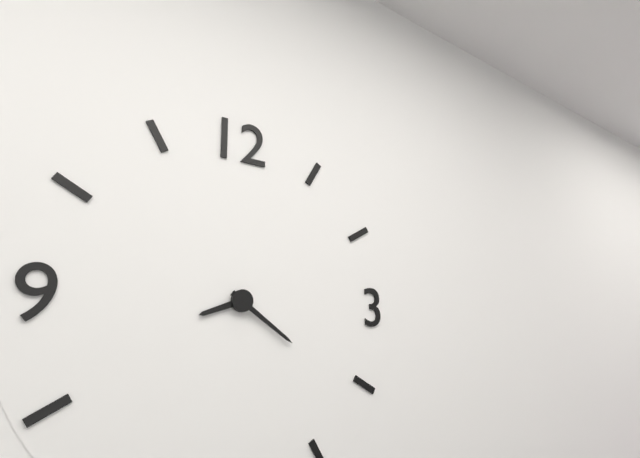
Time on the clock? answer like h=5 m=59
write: h=8 m=21
